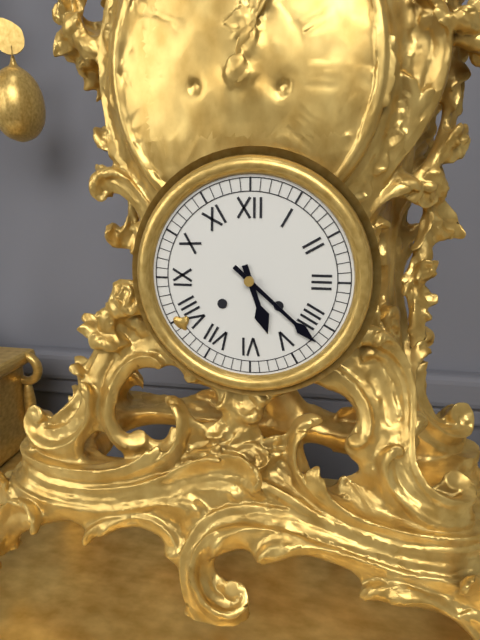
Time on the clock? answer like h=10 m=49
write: h=5 m=22
